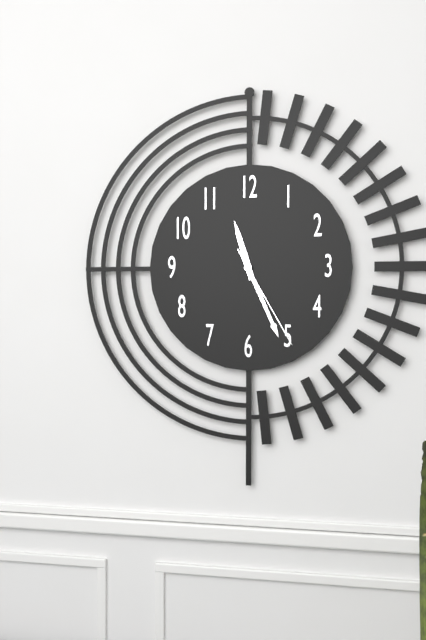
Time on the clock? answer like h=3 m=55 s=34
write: h=11 m=26 s=25
